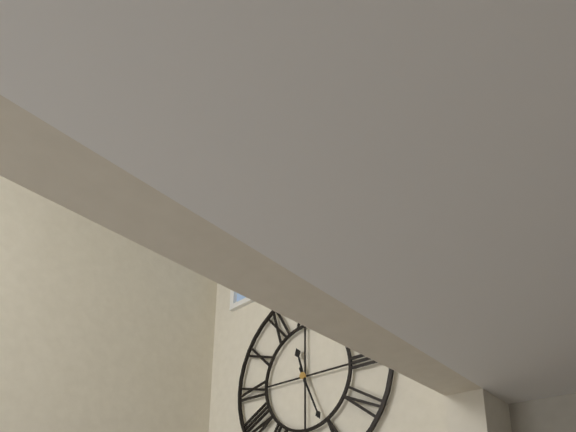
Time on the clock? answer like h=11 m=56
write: h=11 m=26
